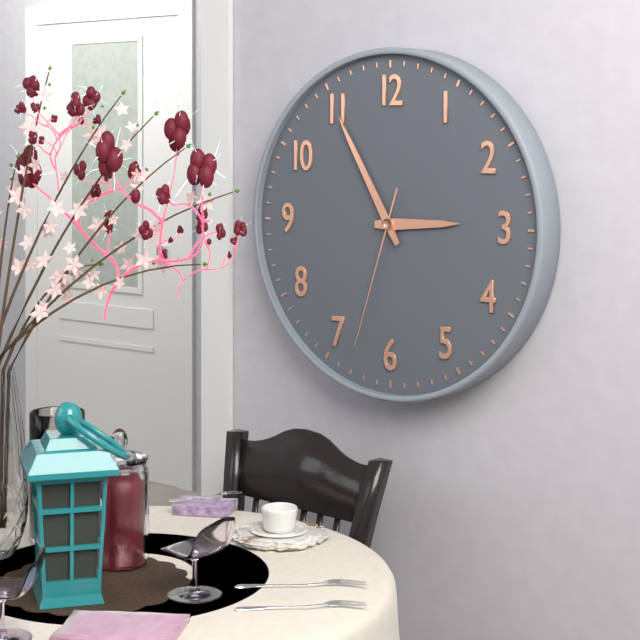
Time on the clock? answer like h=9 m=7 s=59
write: h=2 m=55 s=33
